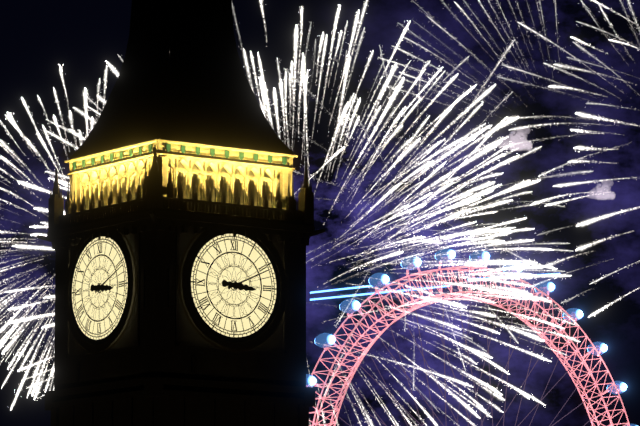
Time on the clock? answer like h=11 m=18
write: h=3 m=11
